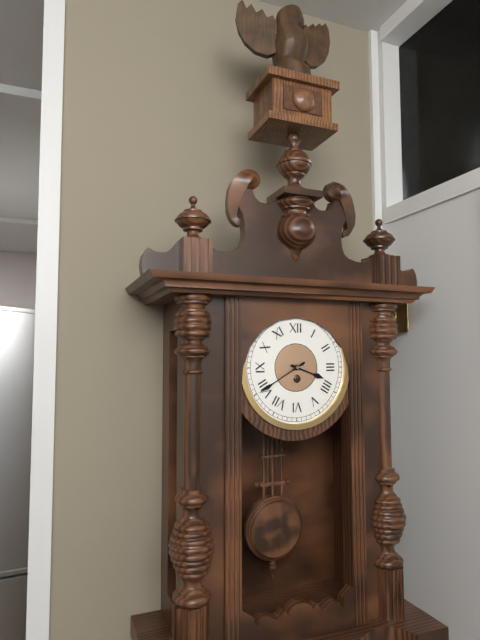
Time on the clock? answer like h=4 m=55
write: h=3 m=40
